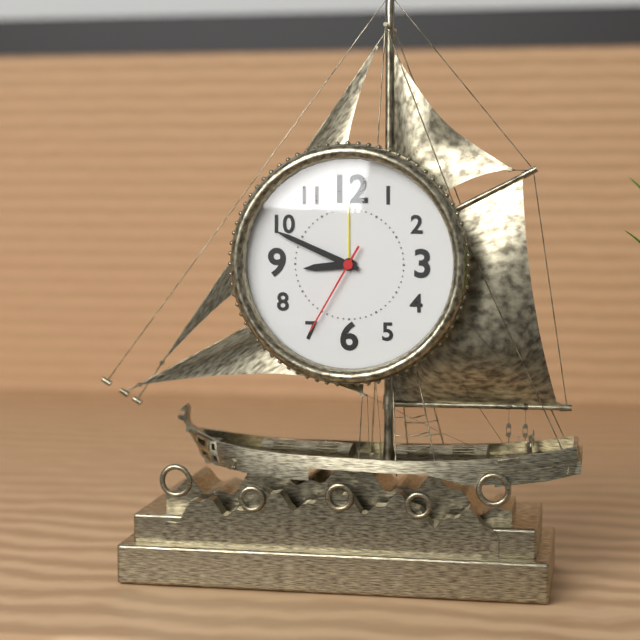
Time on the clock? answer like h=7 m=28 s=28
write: h=8 m=49 s=35
